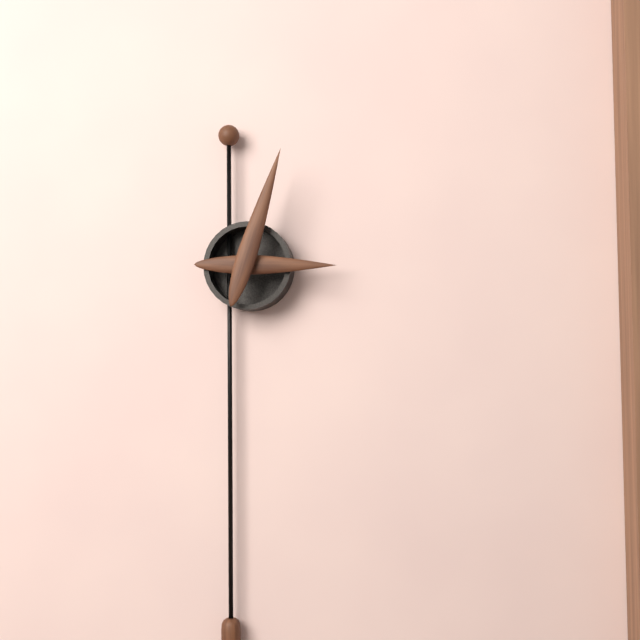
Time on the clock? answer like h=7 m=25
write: h=3 m=3
